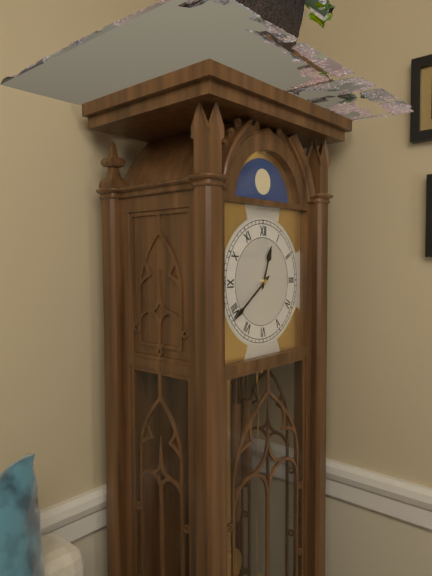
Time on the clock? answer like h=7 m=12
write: h=12 m=39
